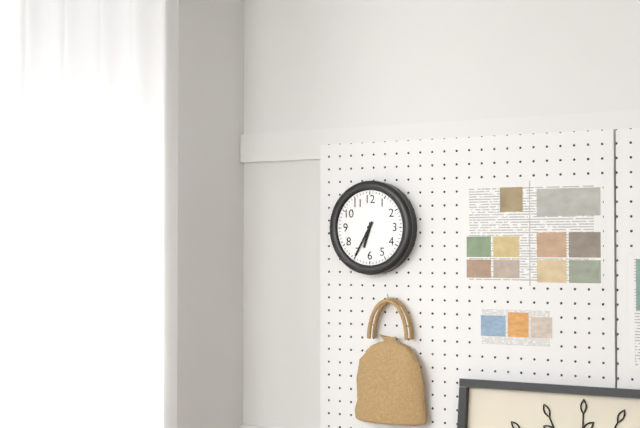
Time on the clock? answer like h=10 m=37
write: h=6 m=35
